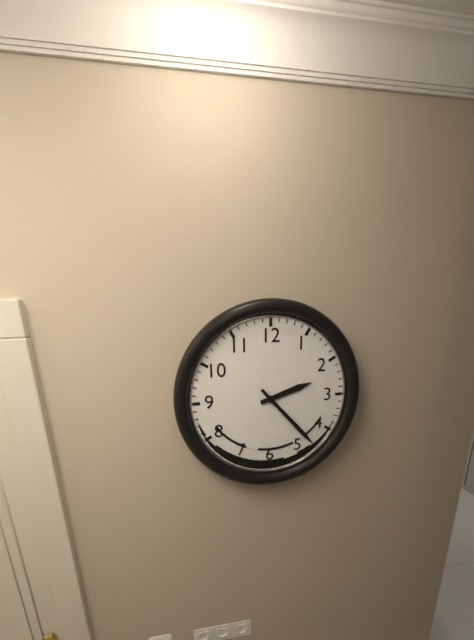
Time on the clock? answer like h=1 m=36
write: h=2 m=23
